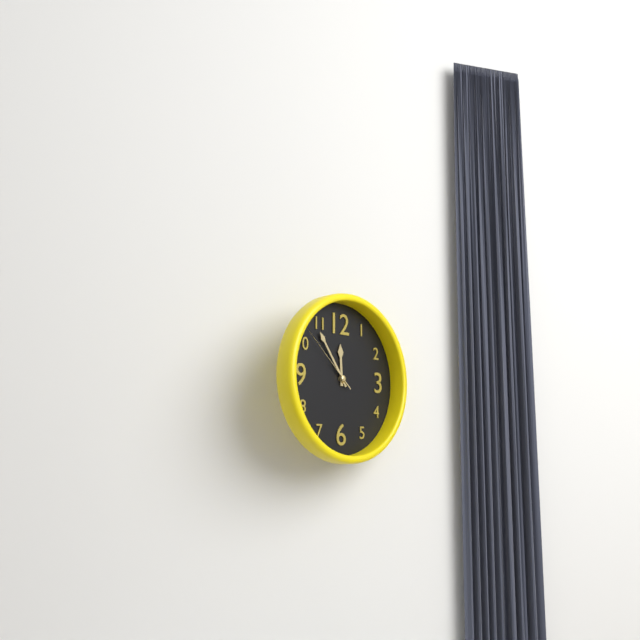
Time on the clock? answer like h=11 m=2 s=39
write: h=11 m=54 s=52
